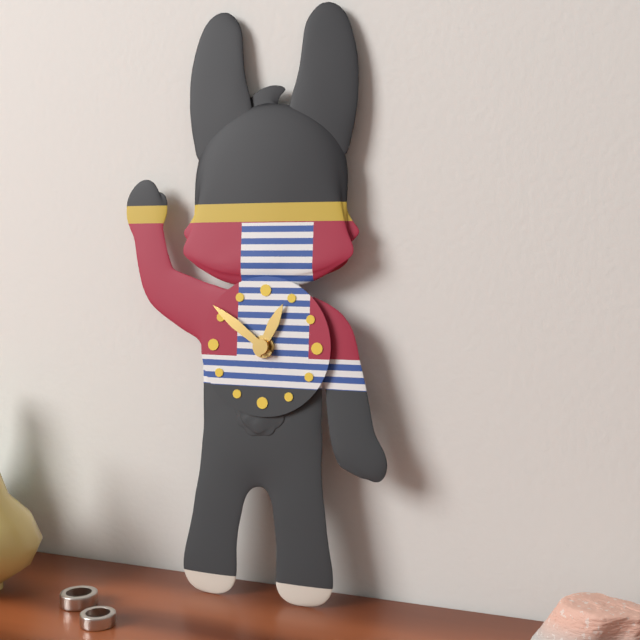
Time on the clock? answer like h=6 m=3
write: h=12 m=51
